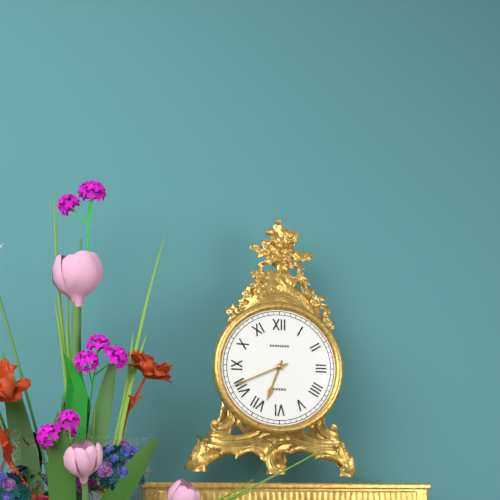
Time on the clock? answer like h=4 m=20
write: h=6 m=41
